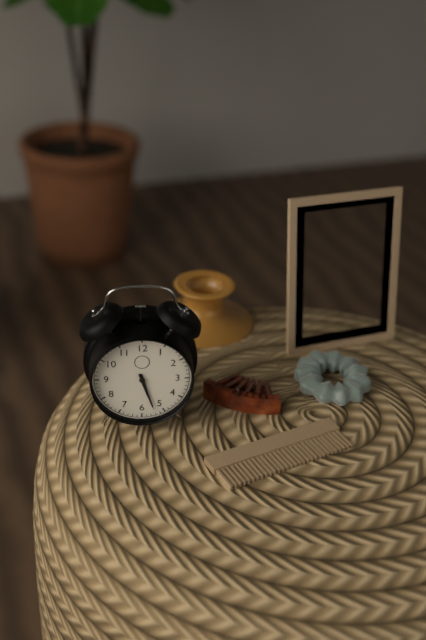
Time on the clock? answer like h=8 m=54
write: h=5 m=27
